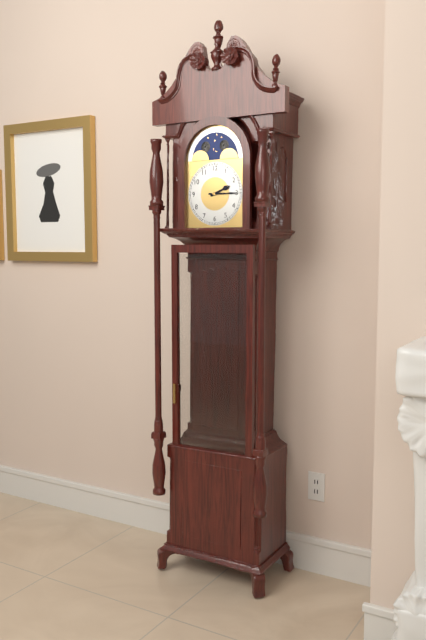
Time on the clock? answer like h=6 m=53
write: h=2 m=15
